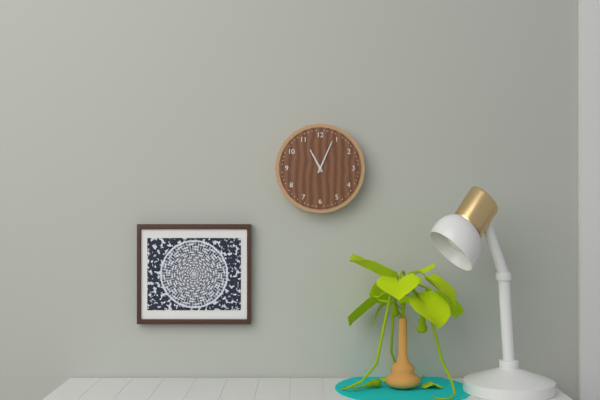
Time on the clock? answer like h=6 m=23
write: h=11 m=4
